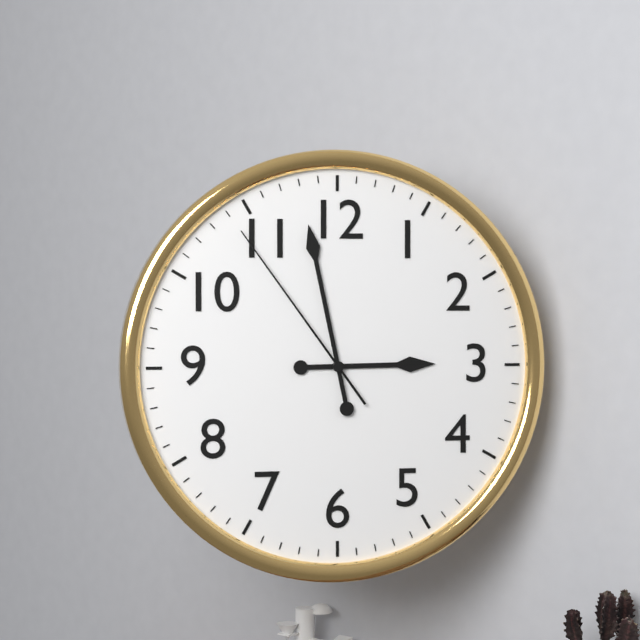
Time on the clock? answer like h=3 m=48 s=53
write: h=2 m=58 s=54
